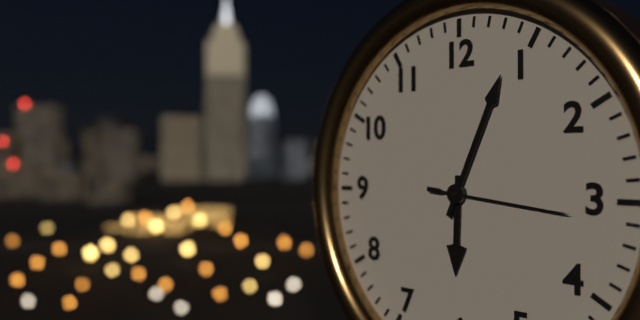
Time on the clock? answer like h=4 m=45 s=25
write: h=6 m=4 s=16
